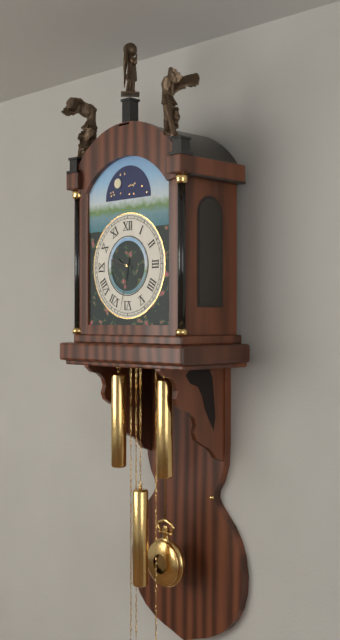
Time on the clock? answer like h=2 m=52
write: h=9 m=32
